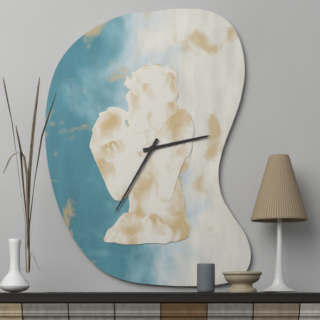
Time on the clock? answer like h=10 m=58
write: h=2 m=35
